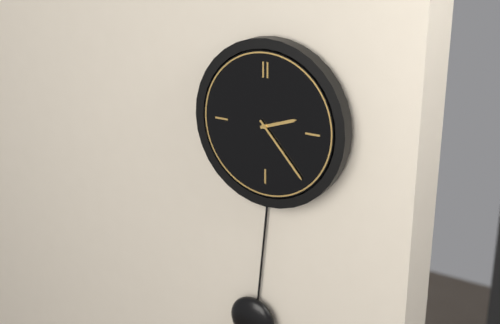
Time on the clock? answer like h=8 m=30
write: h=2 m=23
